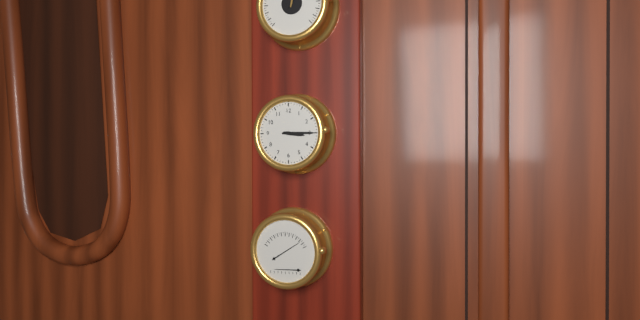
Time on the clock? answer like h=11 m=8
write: h=3 m=15
